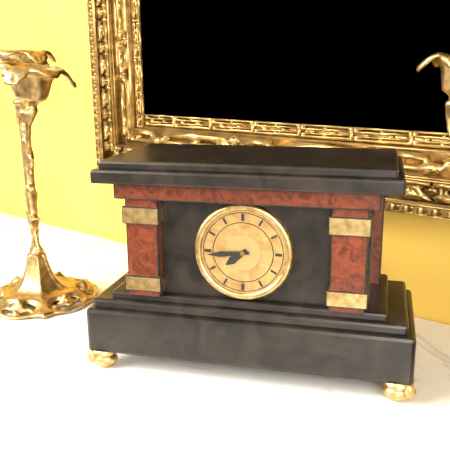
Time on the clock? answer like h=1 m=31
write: h=7 m=44
